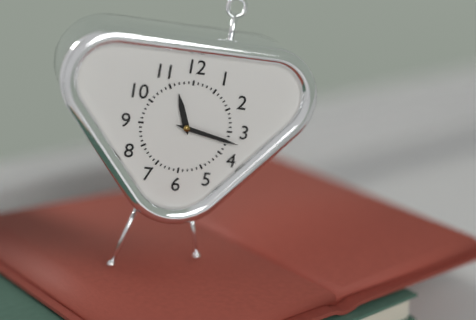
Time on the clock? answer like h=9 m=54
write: h=11 m=17
